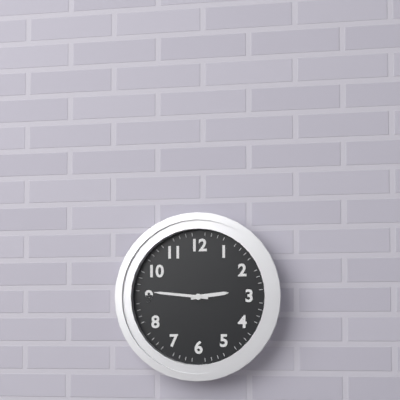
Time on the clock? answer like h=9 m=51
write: h=2 m=46
